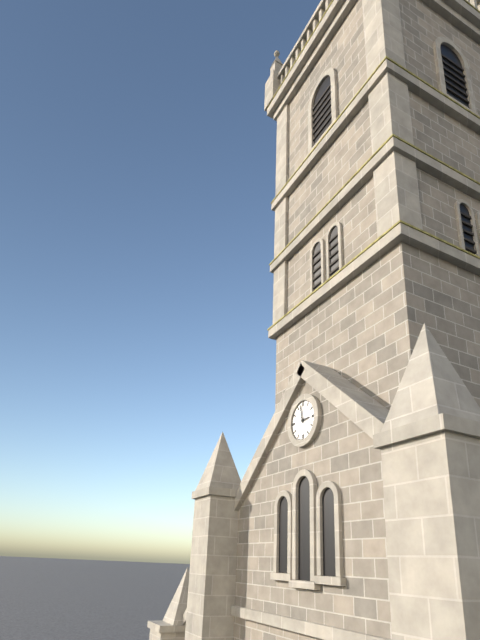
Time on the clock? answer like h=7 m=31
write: h=2 m=58
